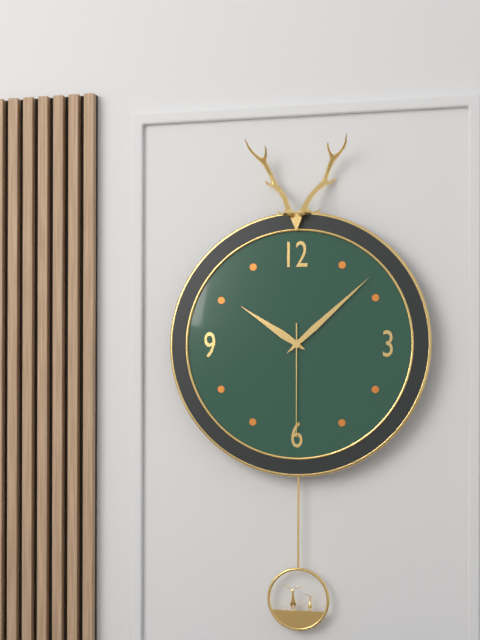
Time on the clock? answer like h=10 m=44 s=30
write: h=10 m=8 s=30
